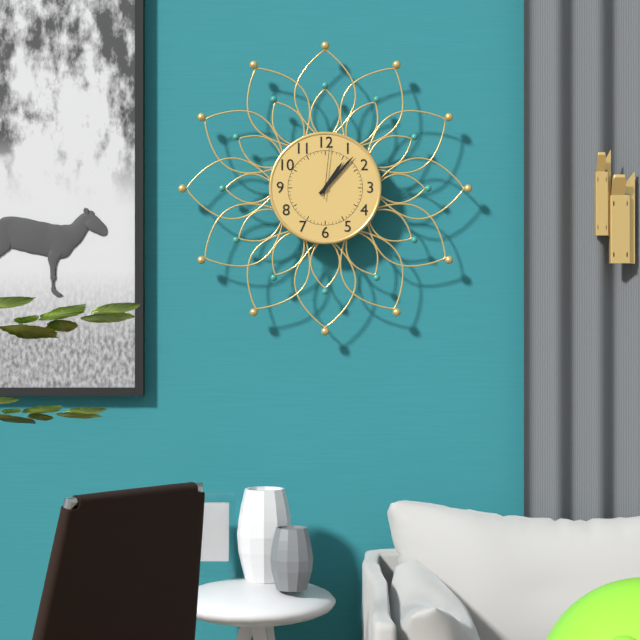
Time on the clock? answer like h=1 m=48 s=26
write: h=1 m=7 s=1
